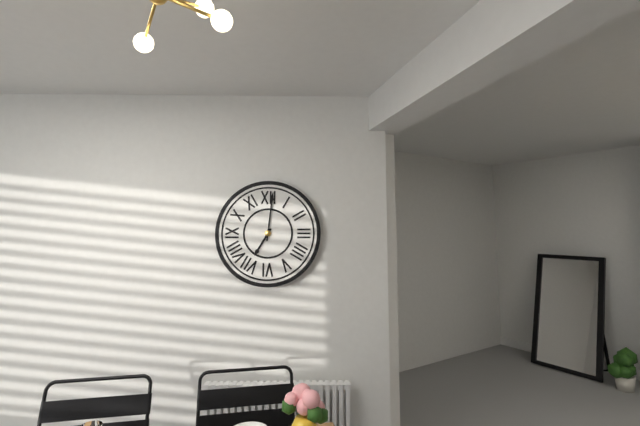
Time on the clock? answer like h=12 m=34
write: h=7 m=1
